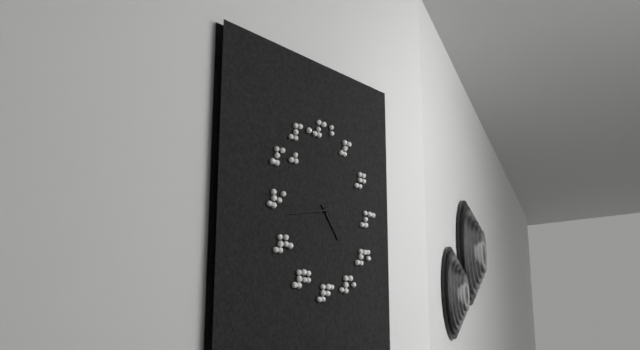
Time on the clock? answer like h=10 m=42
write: h=4 m=43
